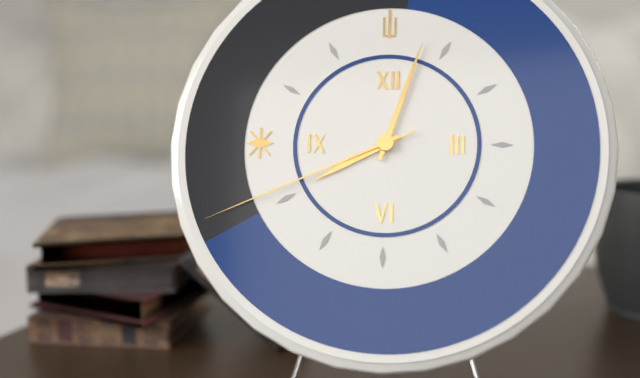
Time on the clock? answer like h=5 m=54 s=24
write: h=8 m=3 s=41
